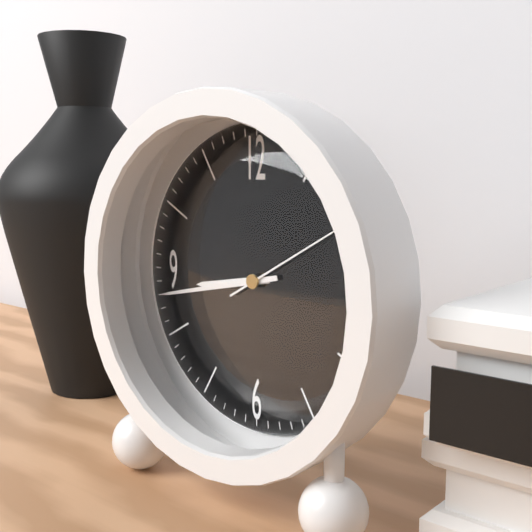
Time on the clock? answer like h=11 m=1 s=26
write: h=8 m=43 s=10
